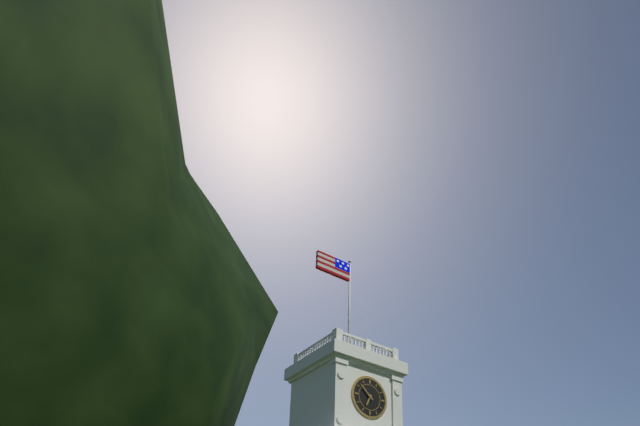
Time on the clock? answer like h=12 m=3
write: h=6 m=52
